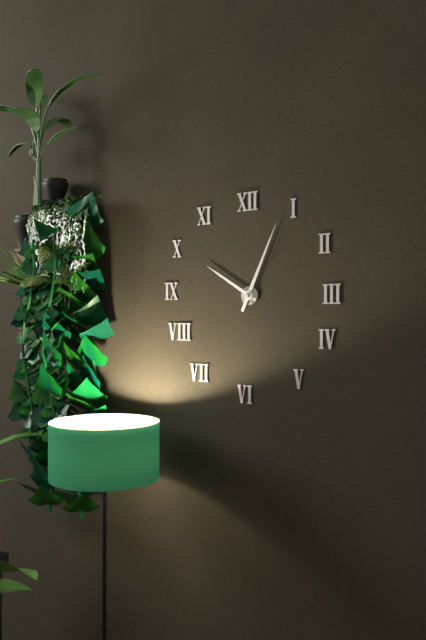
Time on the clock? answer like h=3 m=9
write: h=10 m=4
